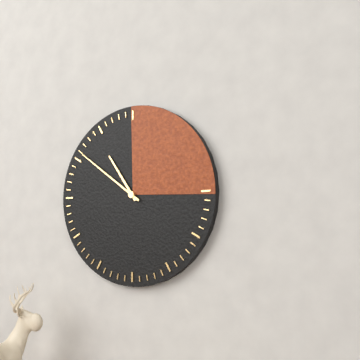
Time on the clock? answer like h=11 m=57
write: h=10 m=51
